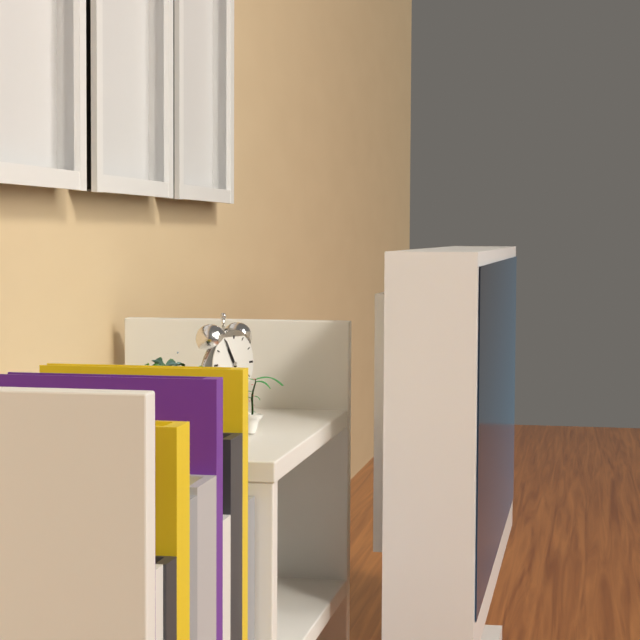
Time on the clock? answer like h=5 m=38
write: h=10 m=55
